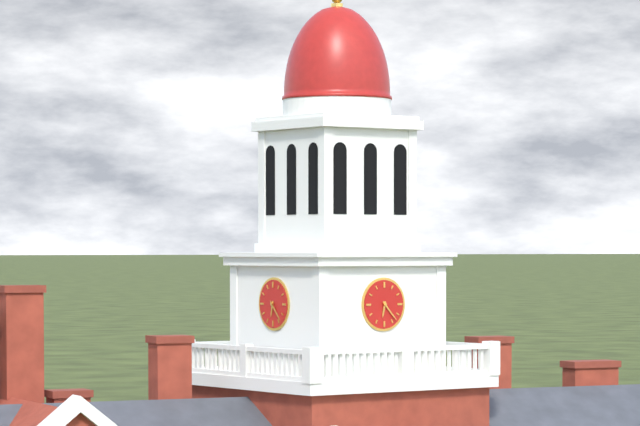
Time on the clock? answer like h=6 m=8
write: h=6 m=23
